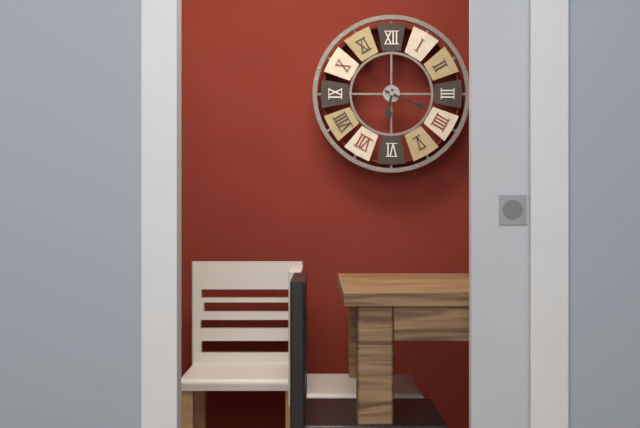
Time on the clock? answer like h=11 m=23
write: h=6 m=19
